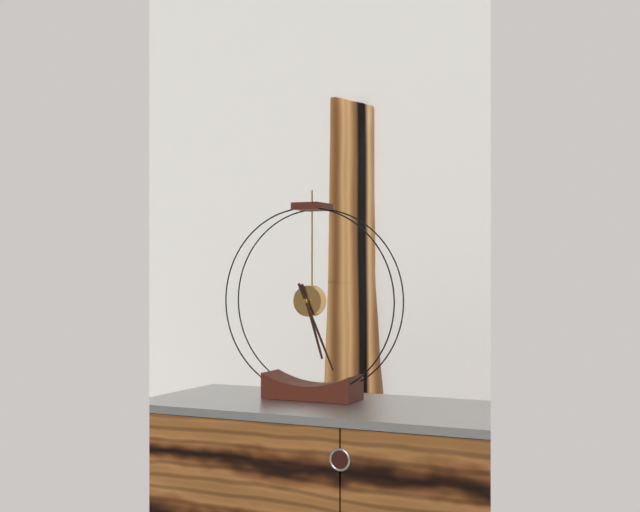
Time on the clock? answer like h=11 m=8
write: h=5 m=26
